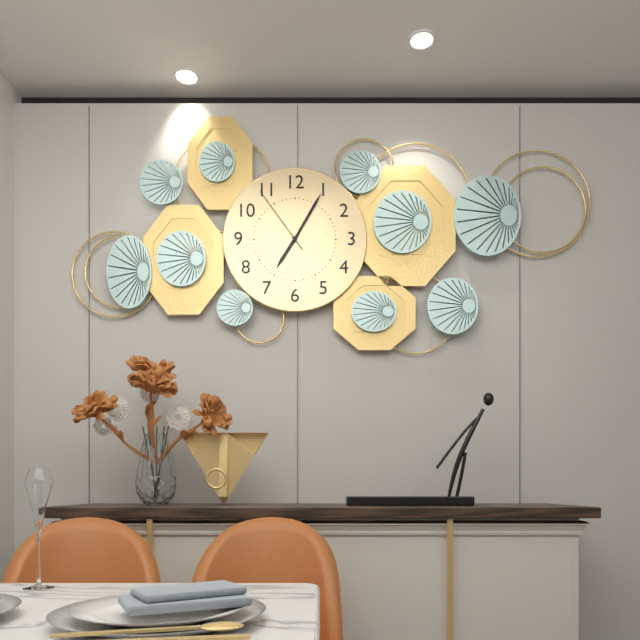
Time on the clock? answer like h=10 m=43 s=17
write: h=7 m=5 s=54
